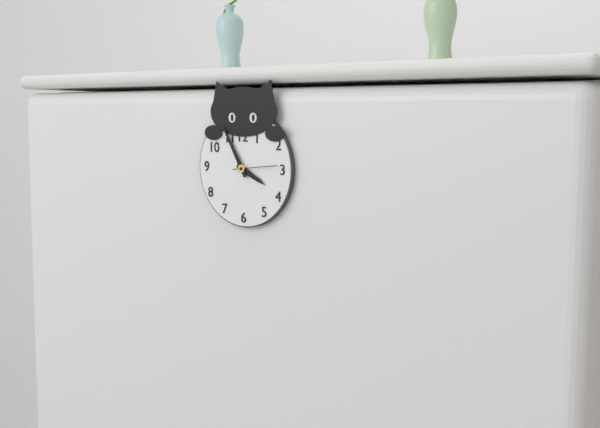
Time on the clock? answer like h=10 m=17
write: h=3 m=55
